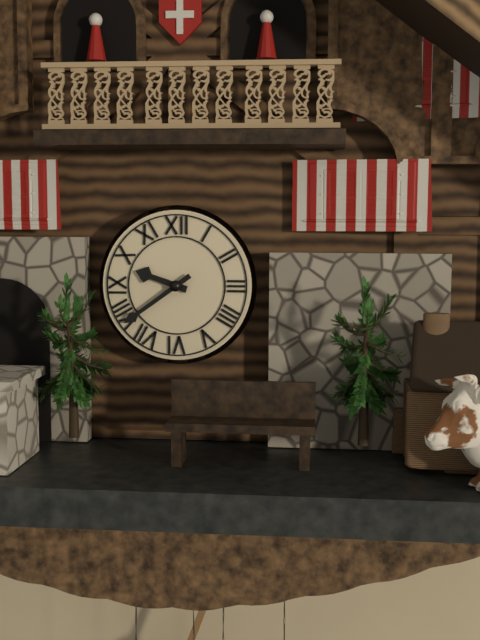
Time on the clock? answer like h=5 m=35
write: h=9 m=39
